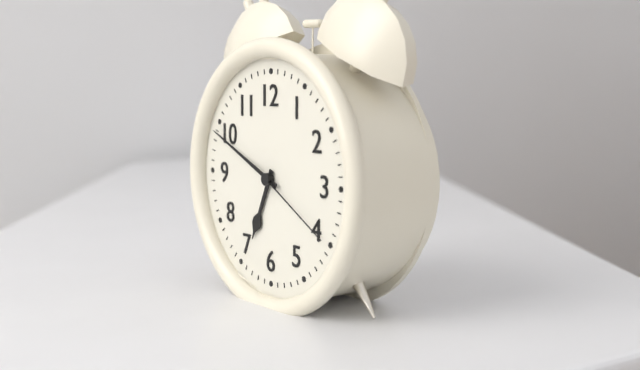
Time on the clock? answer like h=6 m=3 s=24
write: h=6 m=49 s=20
